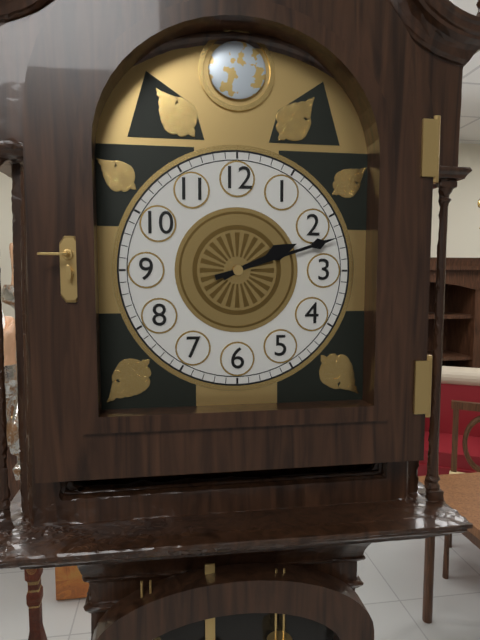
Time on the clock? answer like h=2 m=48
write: h=2 m=12
